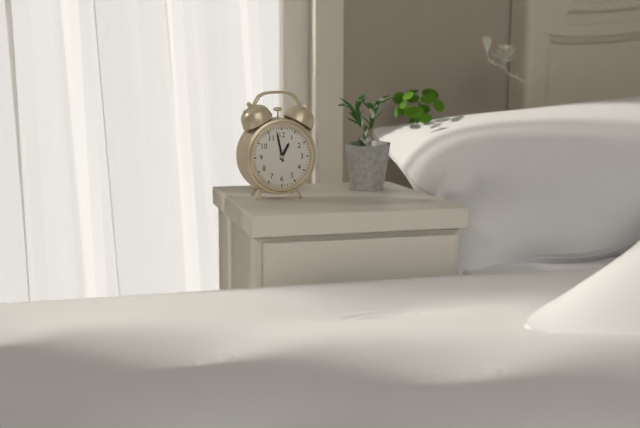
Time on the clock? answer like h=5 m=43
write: h=12 m=58
